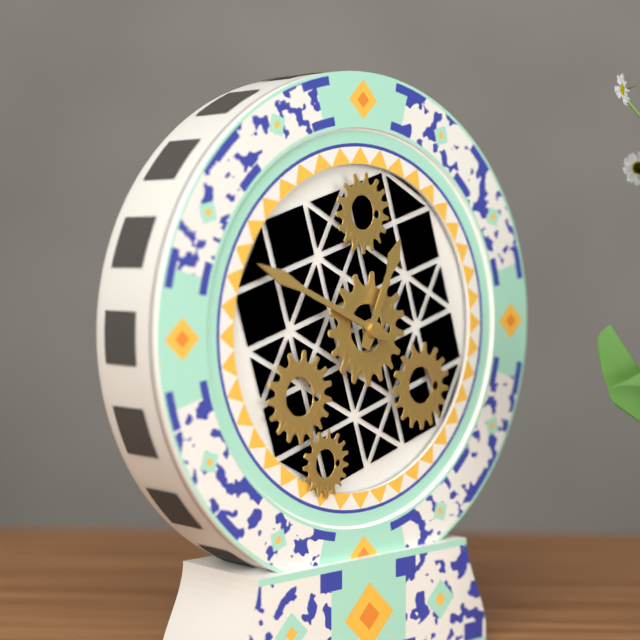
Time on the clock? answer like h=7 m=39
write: h=12 m=49
